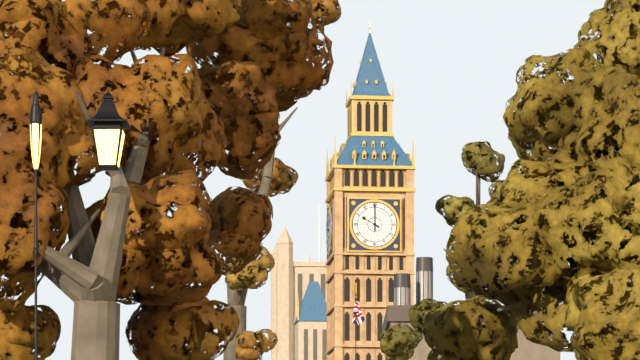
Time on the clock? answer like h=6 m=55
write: h=10 m=0
